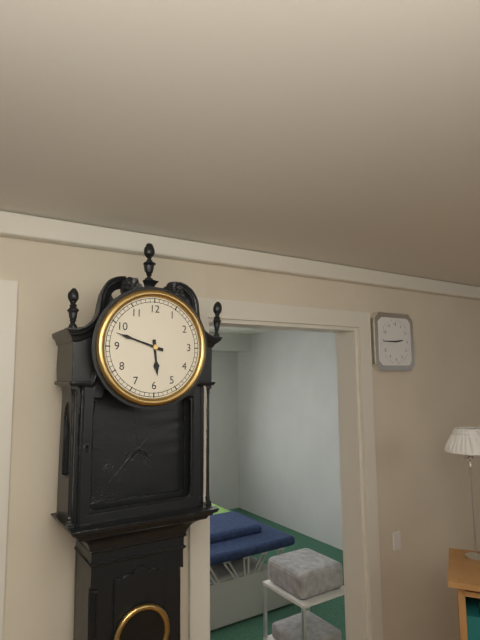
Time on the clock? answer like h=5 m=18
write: h=5 m=48
